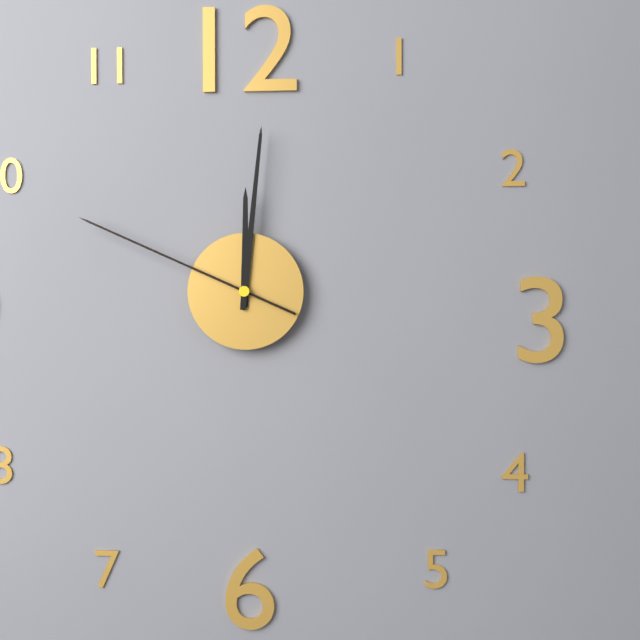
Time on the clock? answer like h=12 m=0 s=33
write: h=12 m=1 s=49
